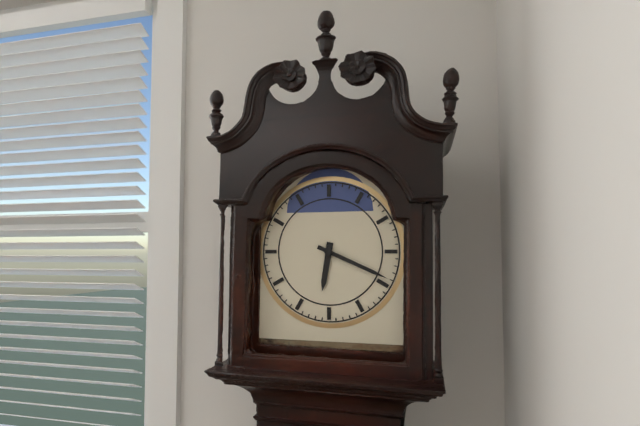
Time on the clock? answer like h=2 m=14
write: h=6 m=19
